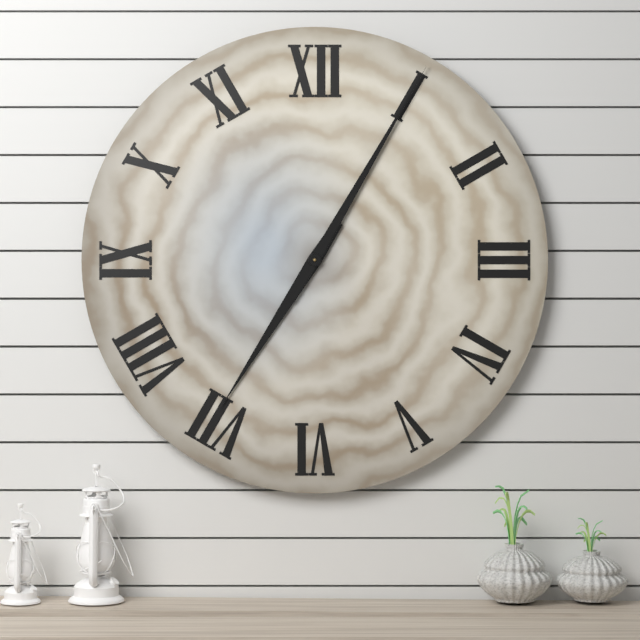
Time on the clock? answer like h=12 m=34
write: h=7 m=5
